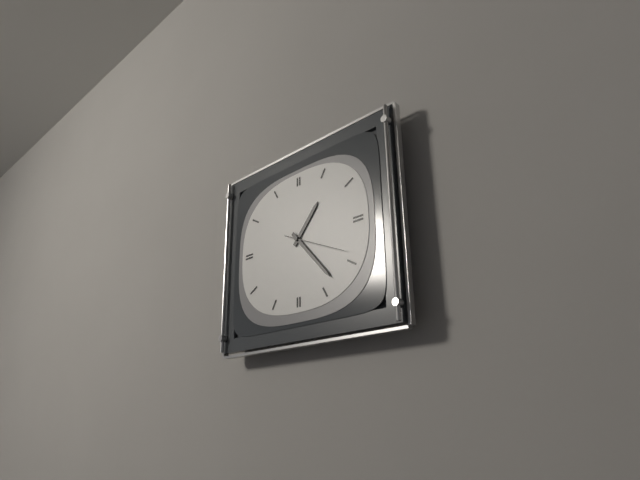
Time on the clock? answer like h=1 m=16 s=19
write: h=1 m=23 s=19
